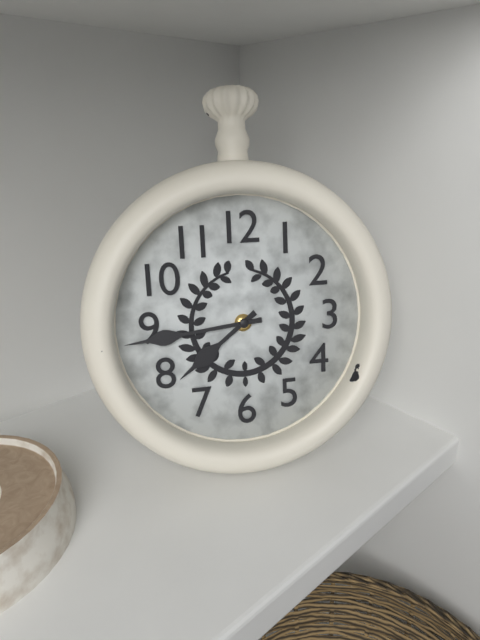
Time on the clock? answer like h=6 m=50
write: h=7 m=44
